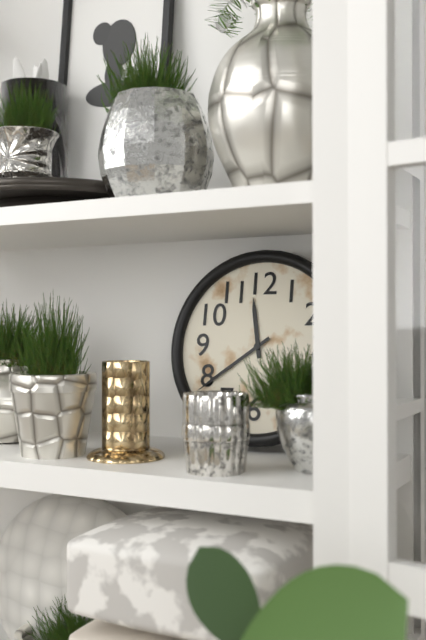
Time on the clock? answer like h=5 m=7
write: h=11 m=39
